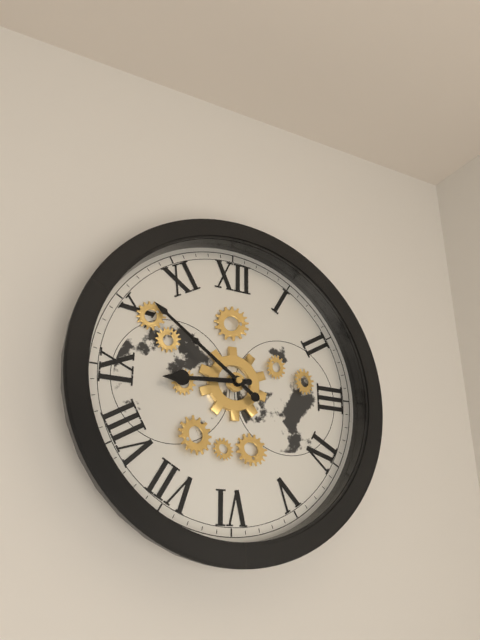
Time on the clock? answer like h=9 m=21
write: h=8 m=51
